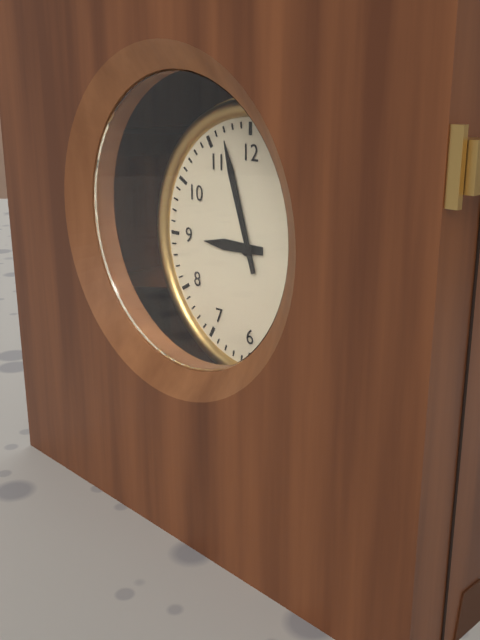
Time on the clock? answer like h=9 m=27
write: h=8 m=57
